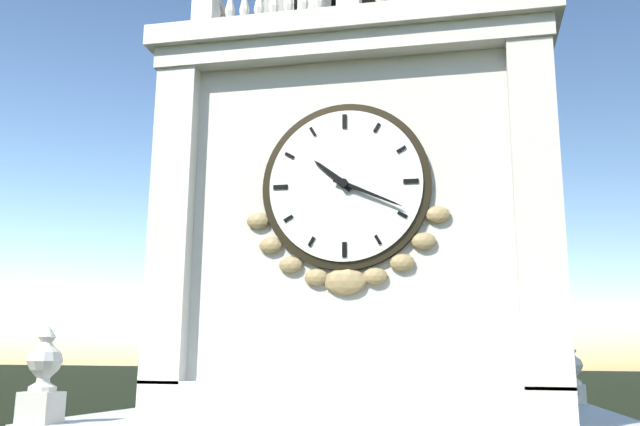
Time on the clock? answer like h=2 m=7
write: h=10 m=19
